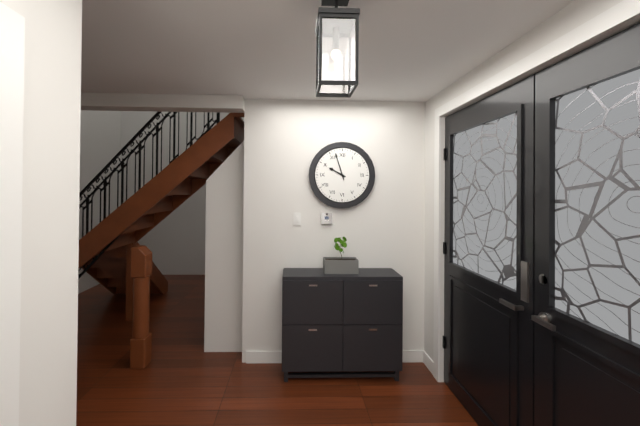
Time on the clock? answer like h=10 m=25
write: h=9 m=57
